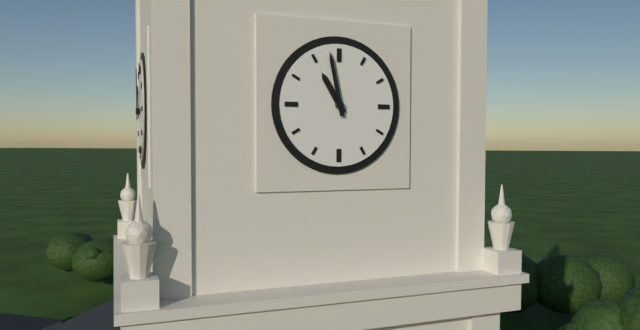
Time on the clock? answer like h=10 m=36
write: h=10 m=58
